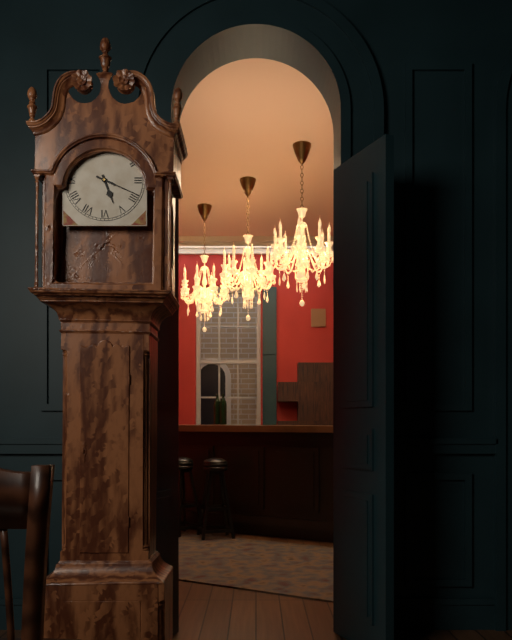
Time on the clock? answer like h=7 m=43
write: h=5 m=19
